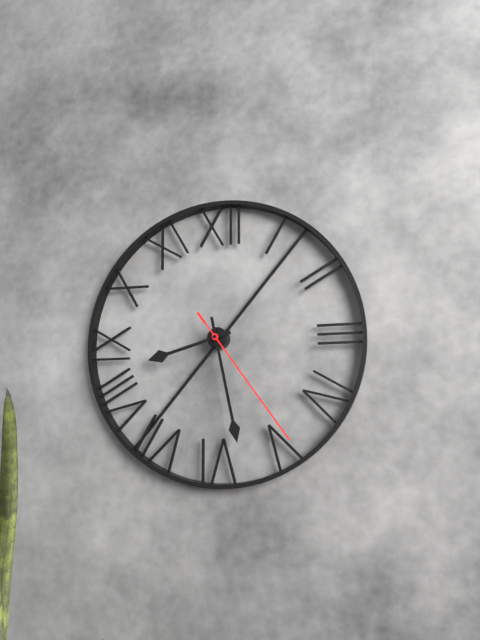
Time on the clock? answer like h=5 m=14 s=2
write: h=8 m=28 s=24
